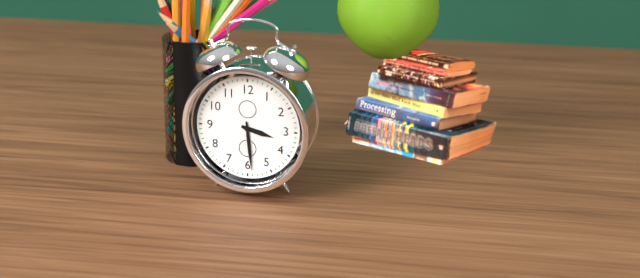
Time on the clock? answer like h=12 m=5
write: h=3 m=29
